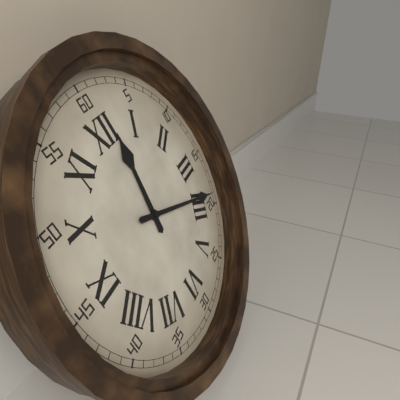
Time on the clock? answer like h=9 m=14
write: h=12 m=19
